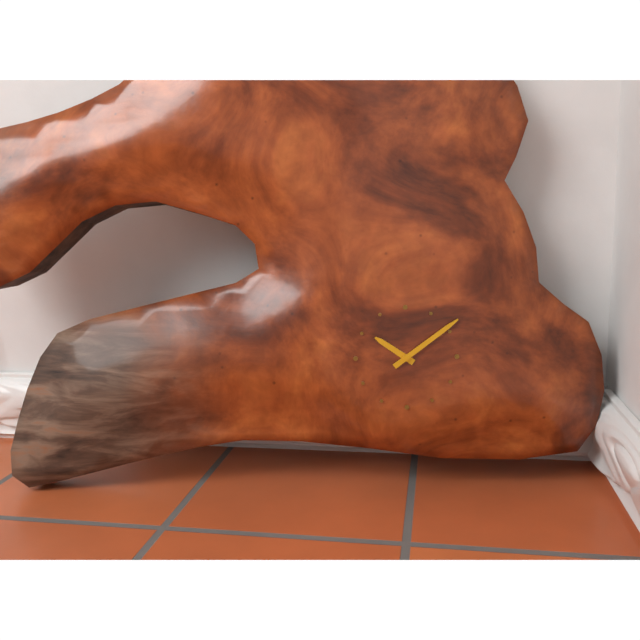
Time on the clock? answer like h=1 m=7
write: h=10 m=9
